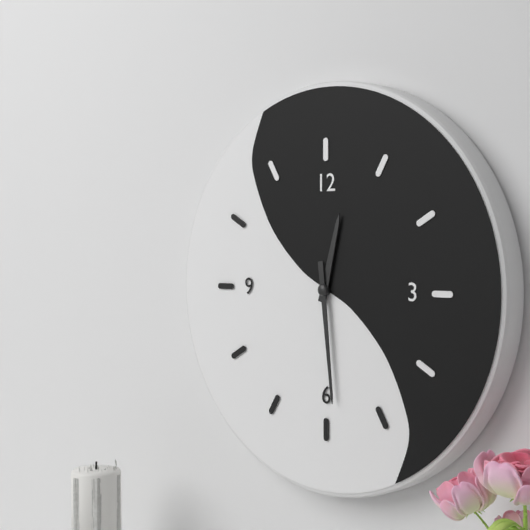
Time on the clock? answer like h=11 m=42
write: h=12 m=29
